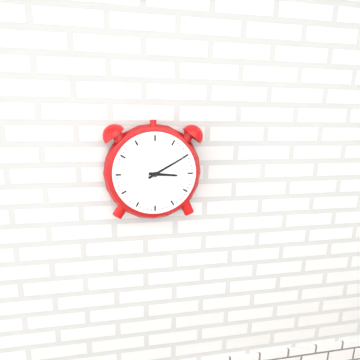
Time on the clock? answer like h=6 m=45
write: h=3 m=10
